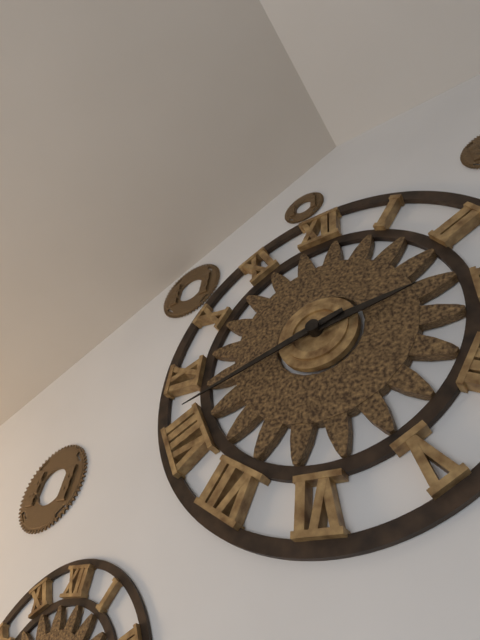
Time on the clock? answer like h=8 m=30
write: h=2 m=42
